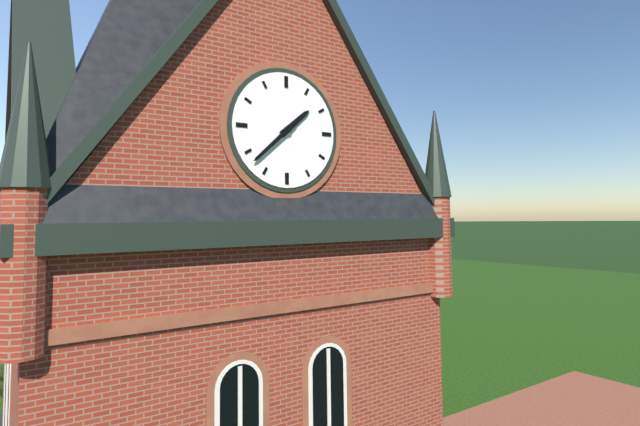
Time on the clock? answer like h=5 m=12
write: h=1 m=38
